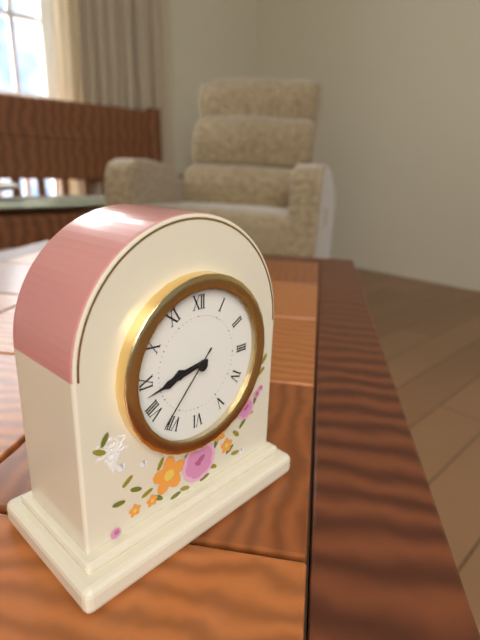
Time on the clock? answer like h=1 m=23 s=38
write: h=8 m=43 s=37
